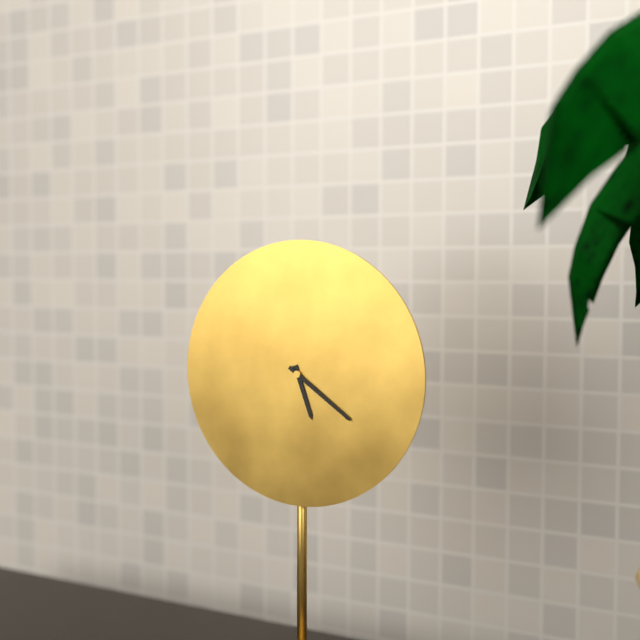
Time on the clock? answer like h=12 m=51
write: h=5 m=21
